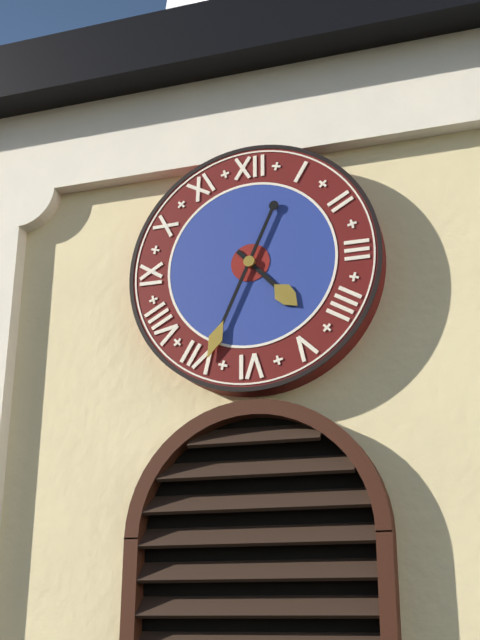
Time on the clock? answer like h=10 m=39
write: h=4 m=34
